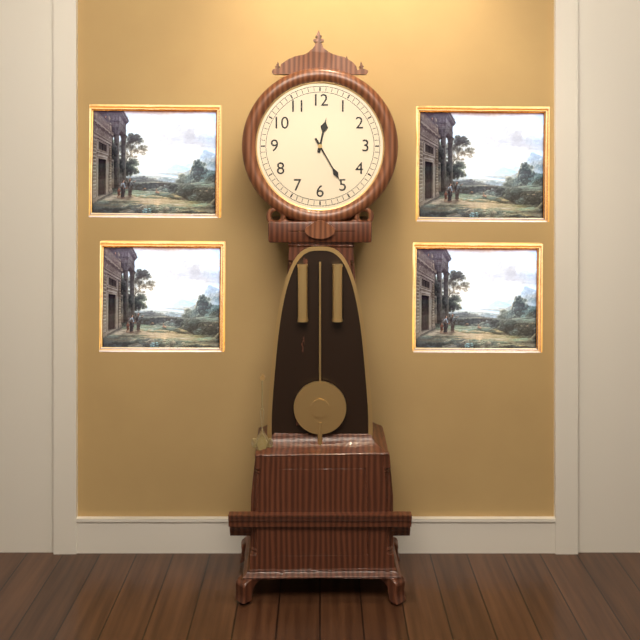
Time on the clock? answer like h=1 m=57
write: h=12 m=25
